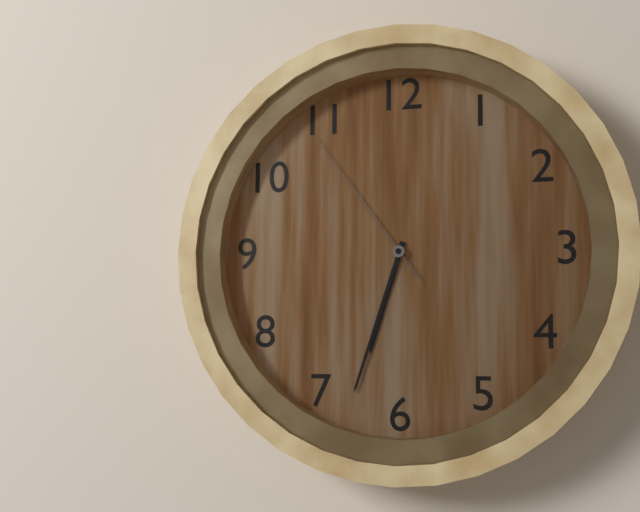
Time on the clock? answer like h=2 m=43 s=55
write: h=6 m=33 s=54
